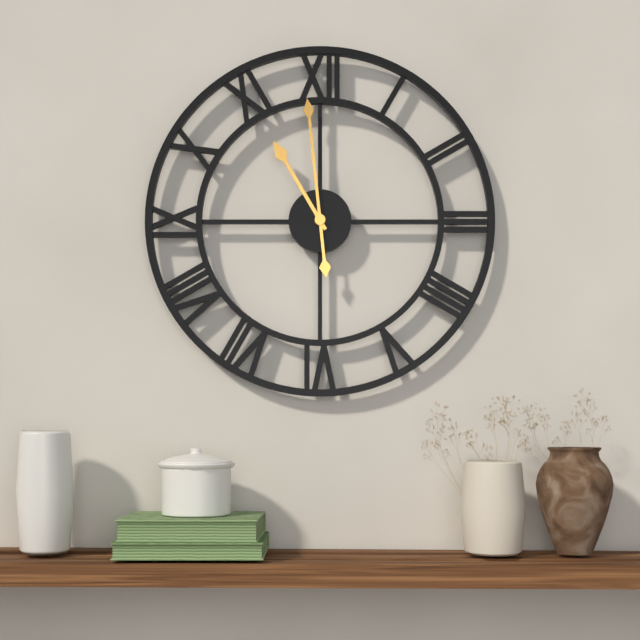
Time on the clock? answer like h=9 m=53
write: h=10 m=59
